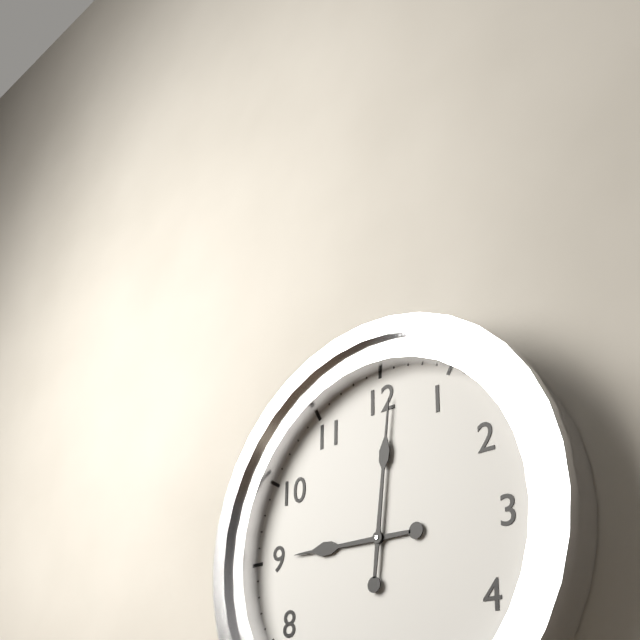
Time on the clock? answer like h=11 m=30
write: h=9 m=1
